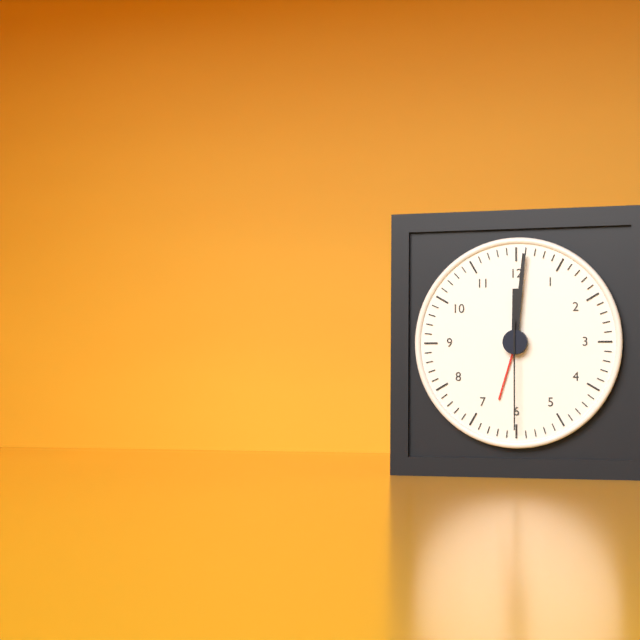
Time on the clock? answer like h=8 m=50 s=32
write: h=12 m=1 s=30
